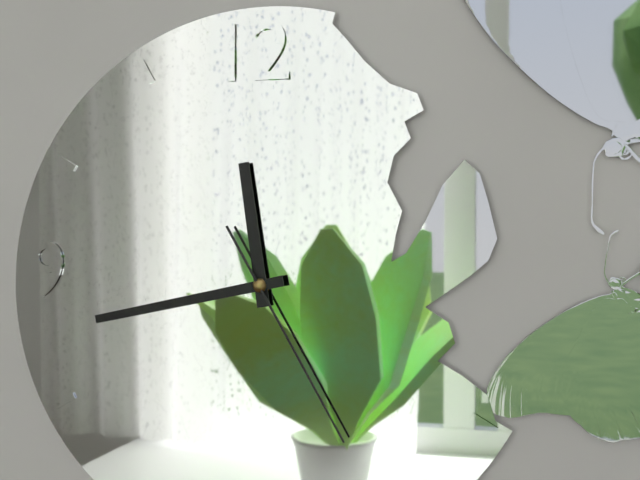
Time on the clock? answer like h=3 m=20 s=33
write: h=11 m=43 s=25
